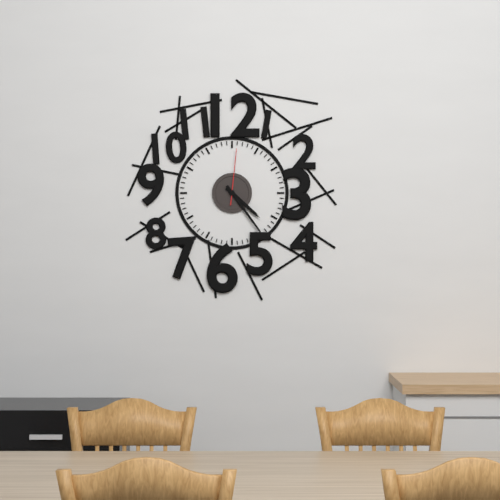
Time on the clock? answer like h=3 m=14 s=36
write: h=4 m=24 s=1
